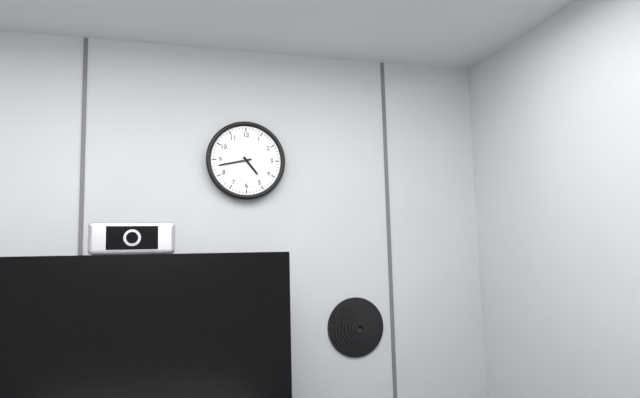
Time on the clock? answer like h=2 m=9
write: h=4 m=43
